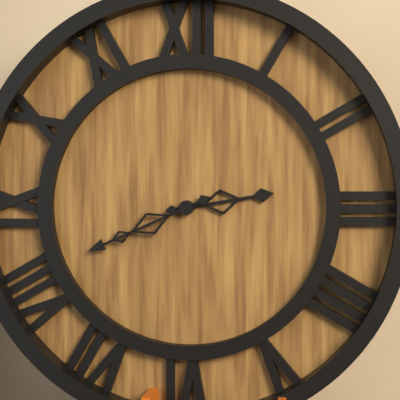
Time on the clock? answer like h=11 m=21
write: h=2 m=41
